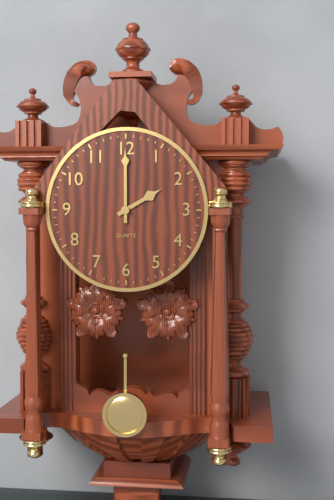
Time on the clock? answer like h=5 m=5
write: h=2 m=0
